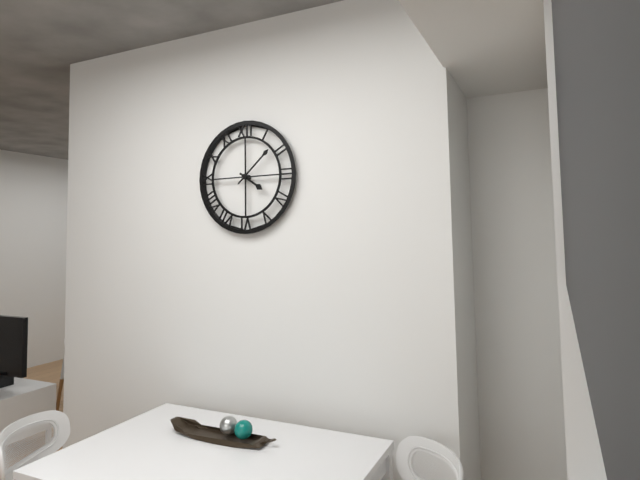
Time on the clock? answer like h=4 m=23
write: h=4 m=8
